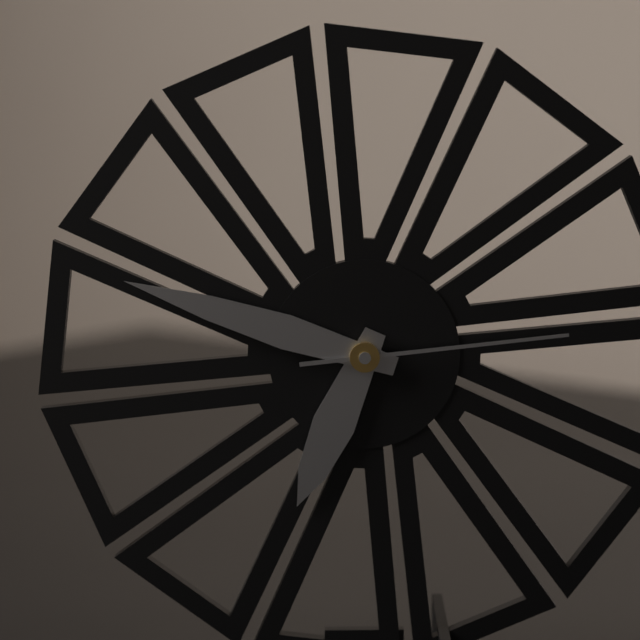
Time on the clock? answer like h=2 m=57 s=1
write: h=6 m=48 s=14
